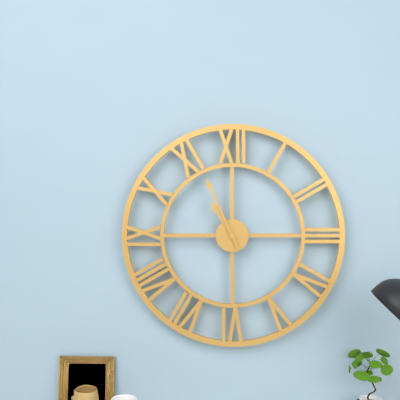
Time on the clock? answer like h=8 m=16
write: h=10 m=56
